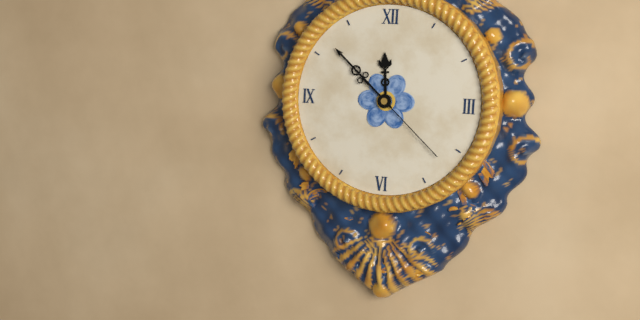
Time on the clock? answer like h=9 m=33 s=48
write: h=11 m=52 s=22
